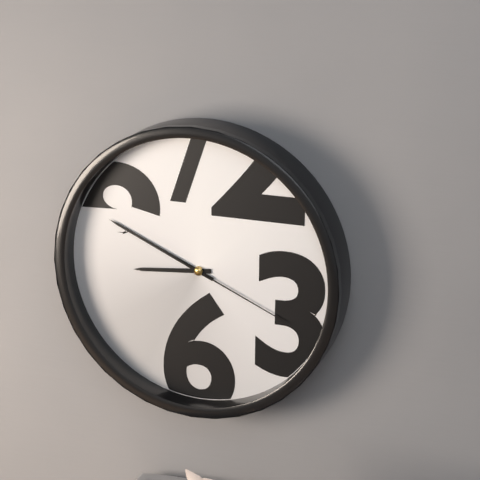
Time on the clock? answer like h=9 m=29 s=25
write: h=8 m=49 s=19
